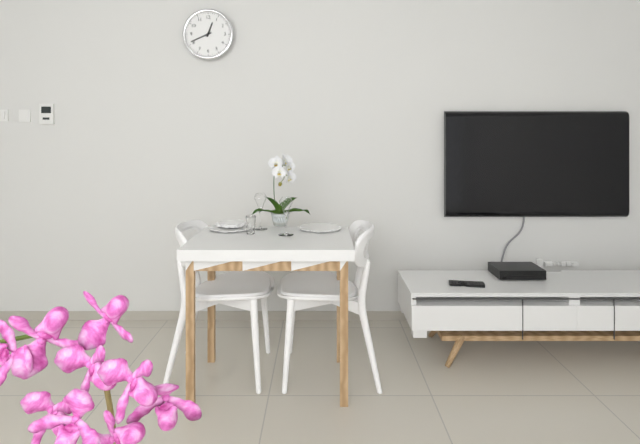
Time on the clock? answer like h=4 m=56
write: h=12 m=41
